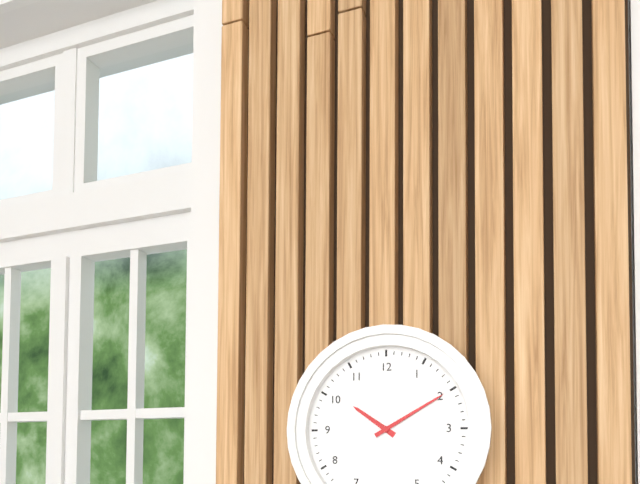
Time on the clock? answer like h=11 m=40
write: h=10 m=10
